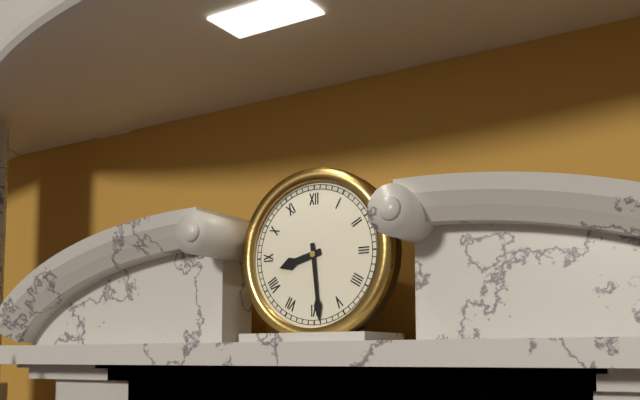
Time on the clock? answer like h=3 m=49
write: h=8 m=29
